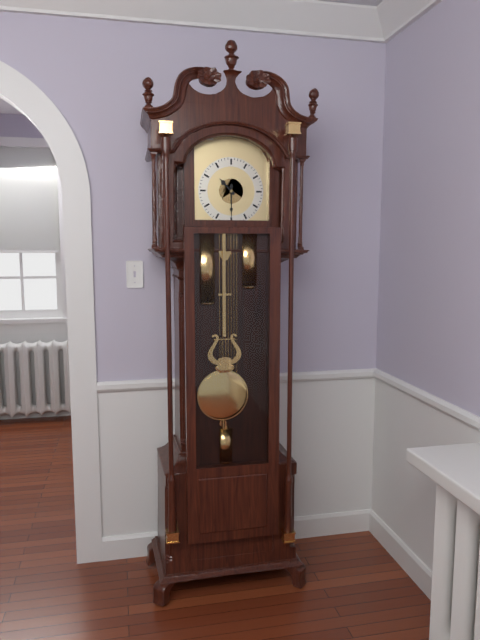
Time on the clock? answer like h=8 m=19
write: h=10 m=30
